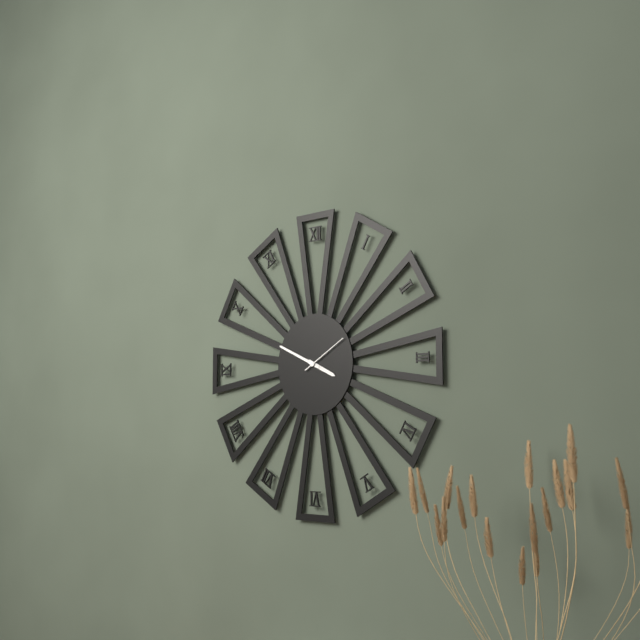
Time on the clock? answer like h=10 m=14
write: h=3 m=49
